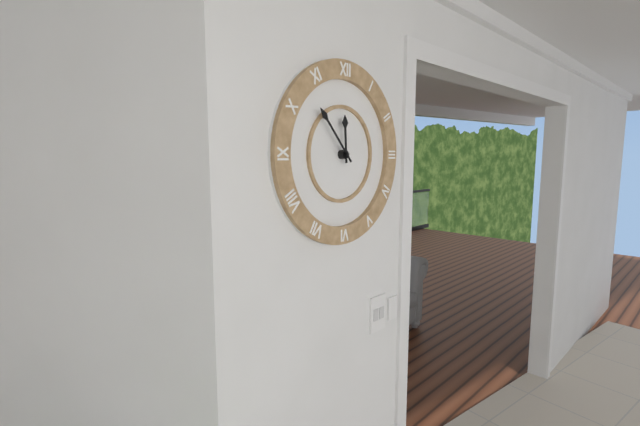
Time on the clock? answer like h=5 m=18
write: h=11 m=53
